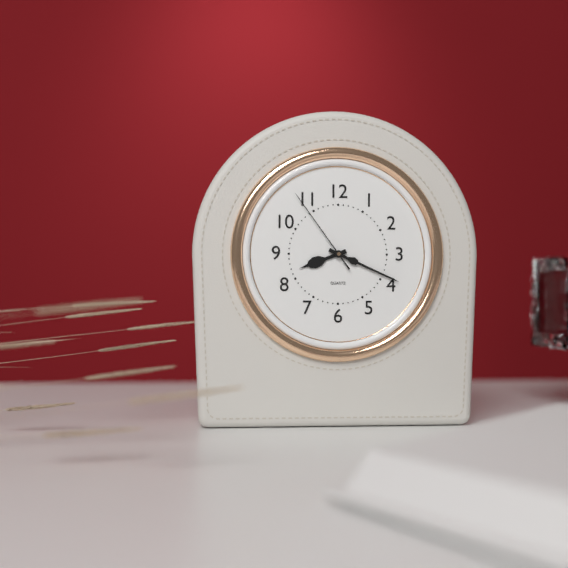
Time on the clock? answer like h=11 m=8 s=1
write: h=8 m=19 s=54
